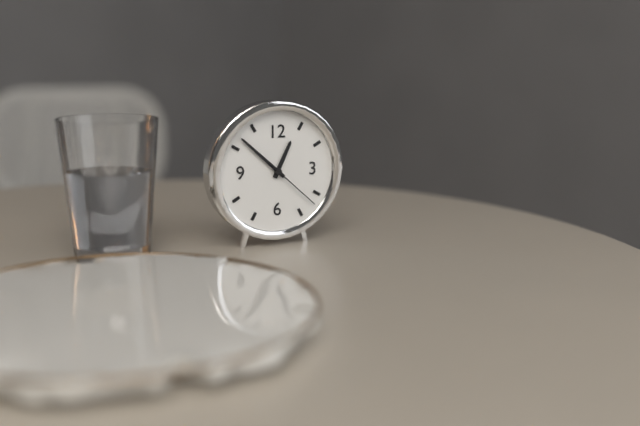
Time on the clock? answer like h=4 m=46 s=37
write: h=12 m=52 s=22
